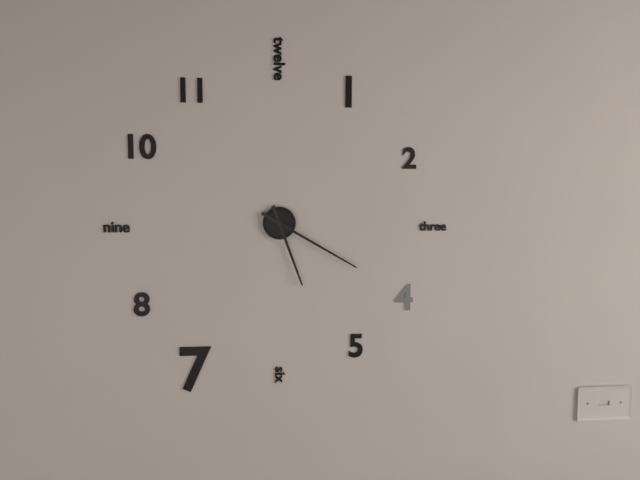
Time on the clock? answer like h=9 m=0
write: h=5 m=20
